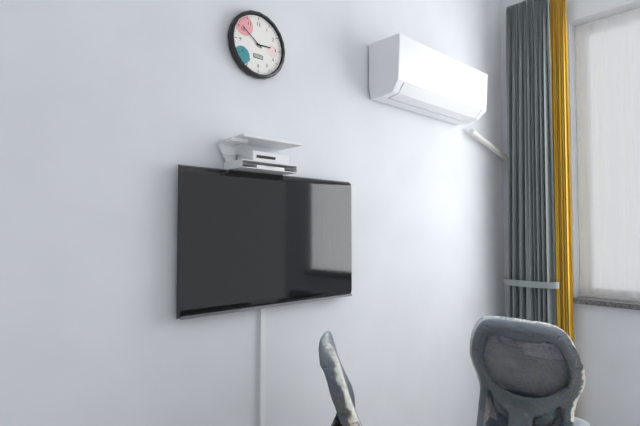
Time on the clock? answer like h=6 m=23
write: h=2 m=51
